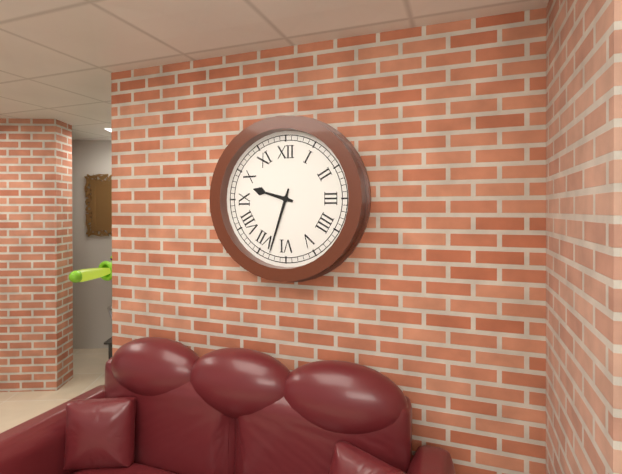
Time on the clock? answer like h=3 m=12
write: h=9 m=33
